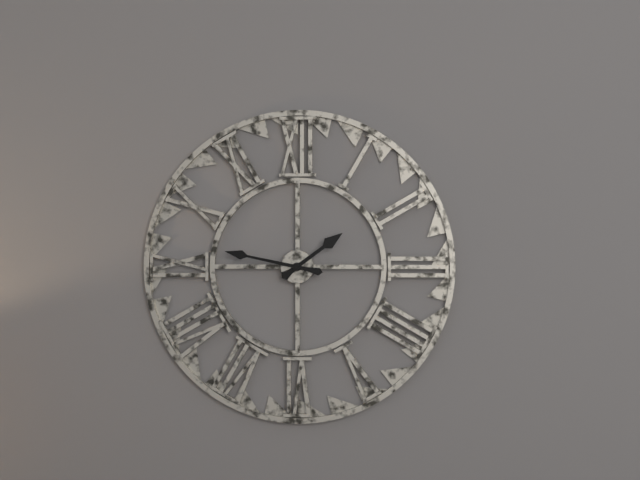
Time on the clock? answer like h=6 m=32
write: h=1 m=47
